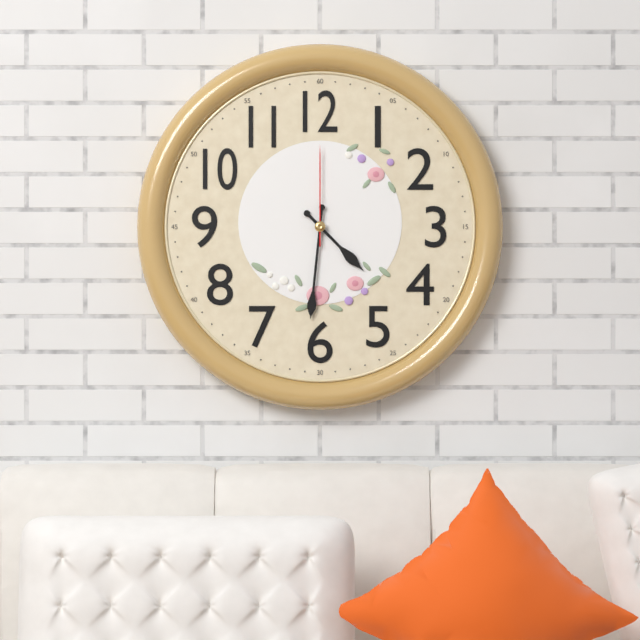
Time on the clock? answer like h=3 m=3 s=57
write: h=4 m=31 s=0
